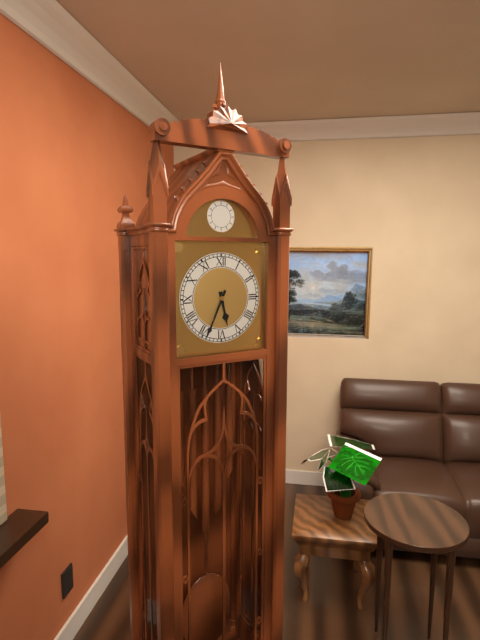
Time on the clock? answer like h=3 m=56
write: h=5 m=34
